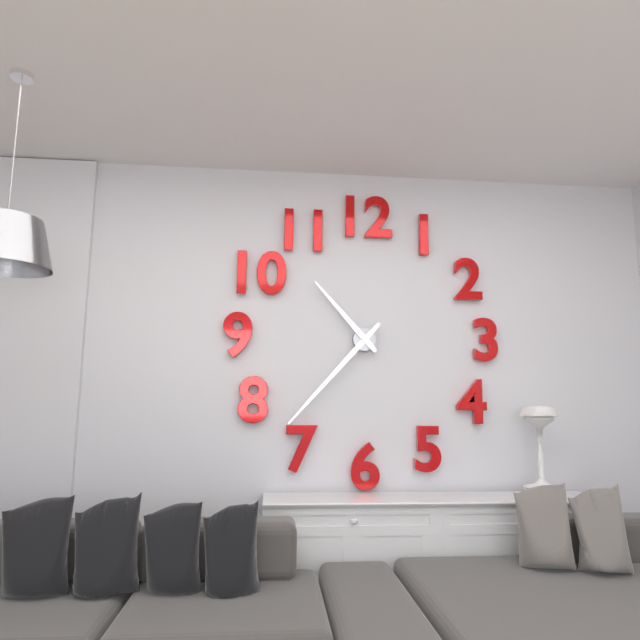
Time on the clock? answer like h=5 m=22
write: h=10 m=37
